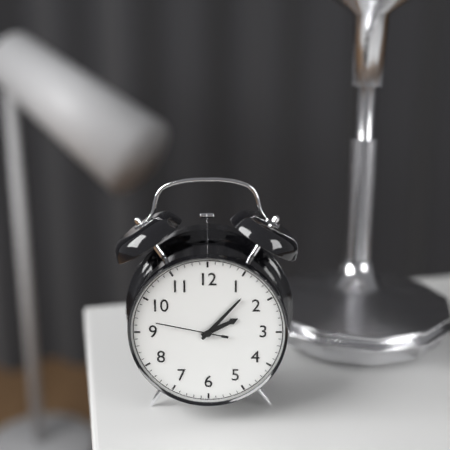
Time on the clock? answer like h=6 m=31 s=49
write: h=2 m=7 s=47
